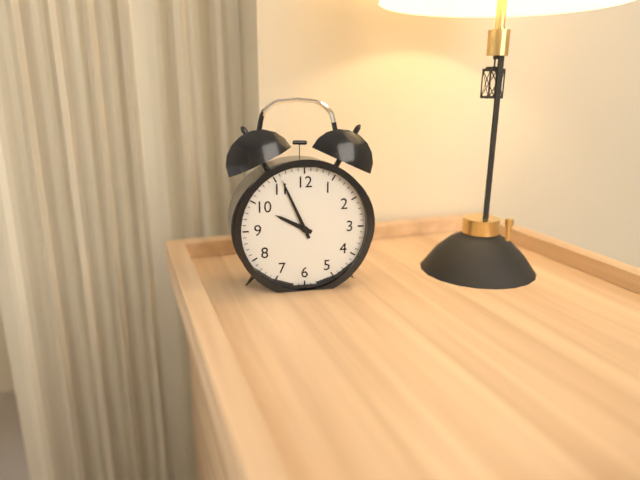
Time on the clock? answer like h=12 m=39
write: h=9 m=56
